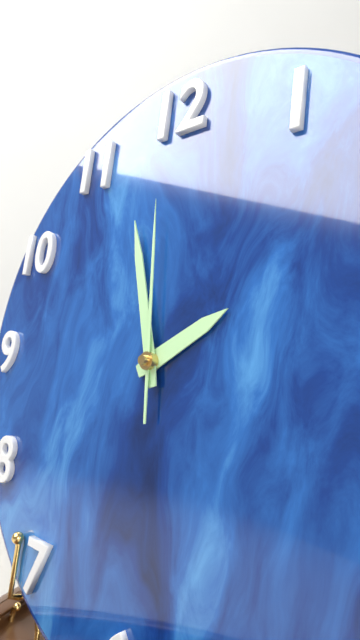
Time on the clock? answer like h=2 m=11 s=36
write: h=1 m=57 s=59
